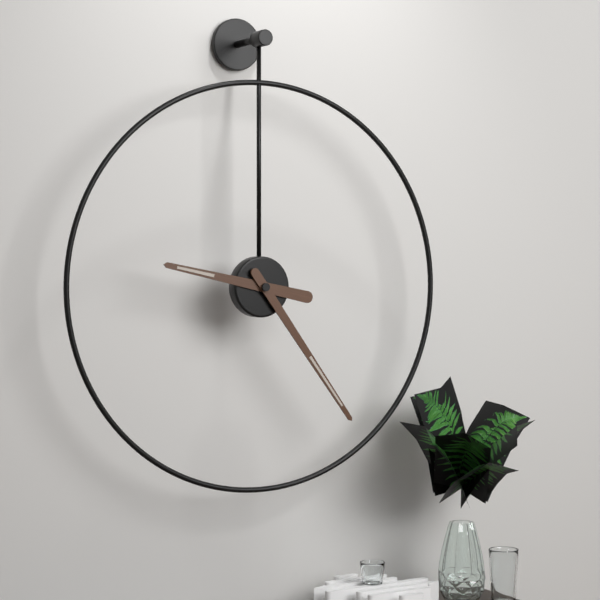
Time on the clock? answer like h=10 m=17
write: h=9 m=24
